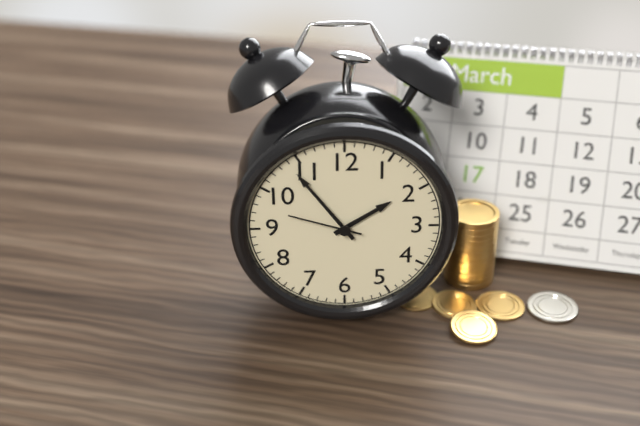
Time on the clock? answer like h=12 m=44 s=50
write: h=1 m=54 s=48
